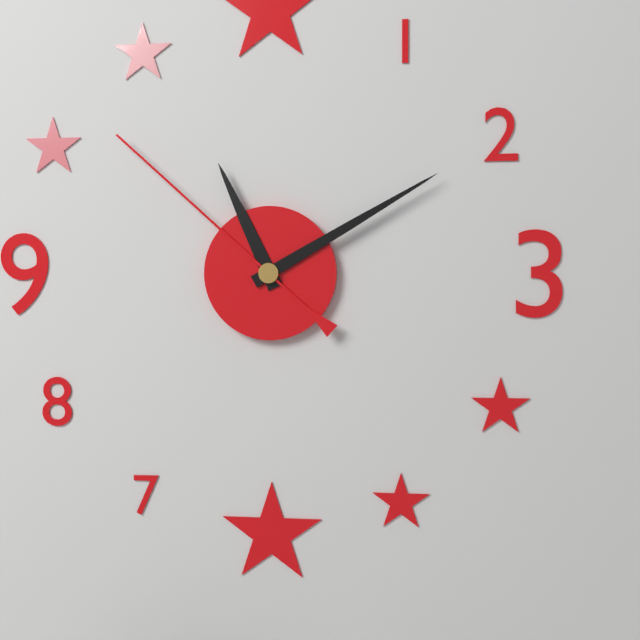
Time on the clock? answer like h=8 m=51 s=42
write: h=11 m=10 s=52
